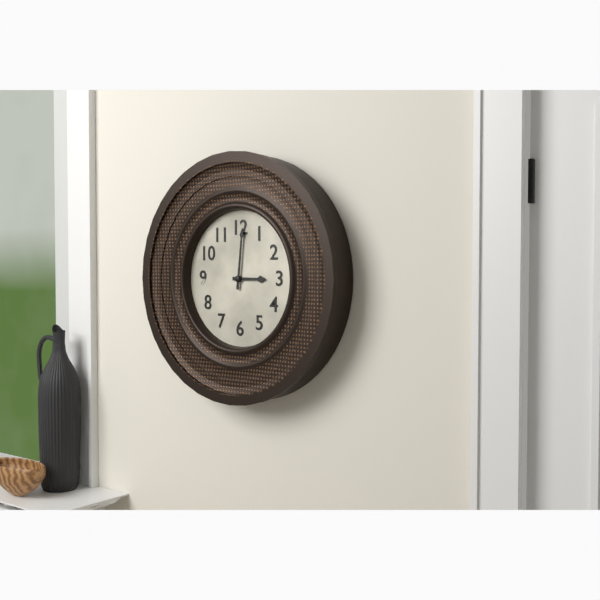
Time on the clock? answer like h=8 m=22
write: h=3 m=1
